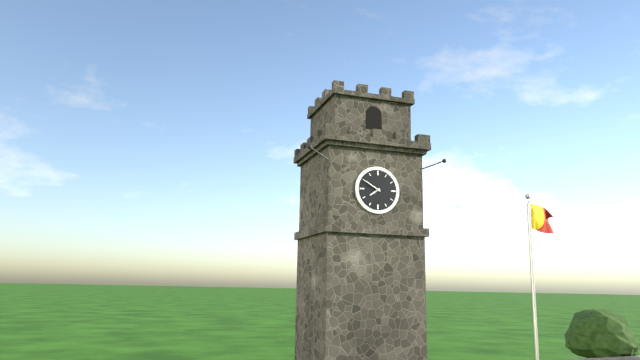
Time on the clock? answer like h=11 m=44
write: h=7 m=50
